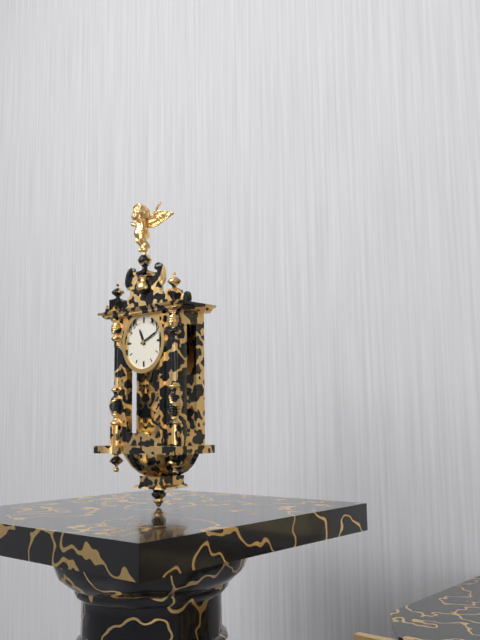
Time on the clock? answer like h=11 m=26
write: h=11 m=11
